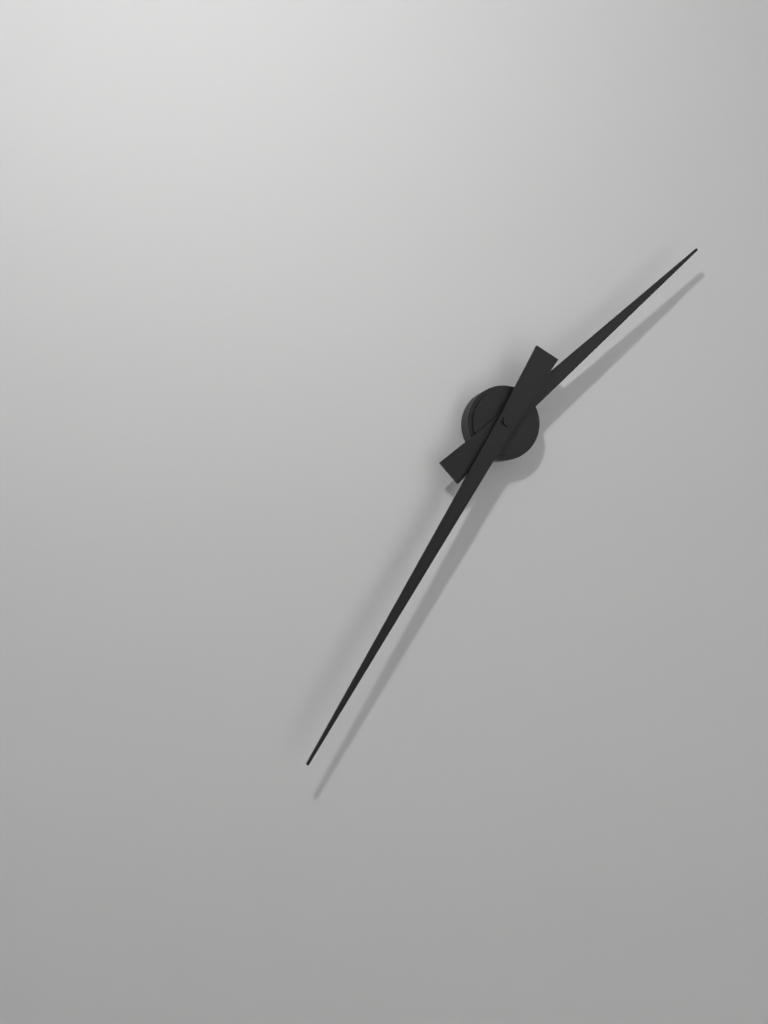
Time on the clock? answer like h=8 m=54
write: h=1 m=35
